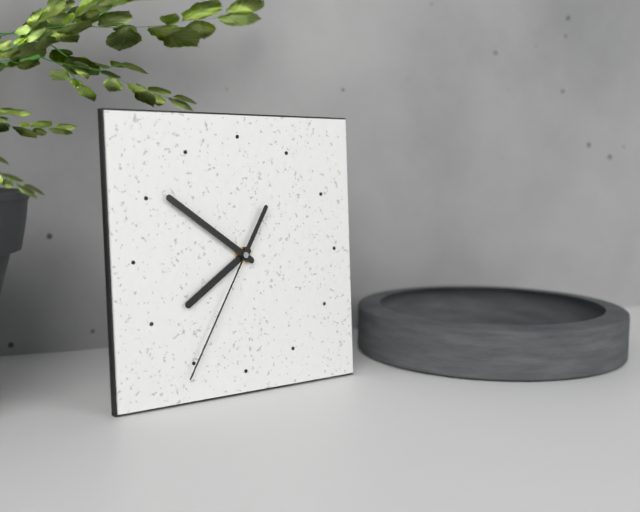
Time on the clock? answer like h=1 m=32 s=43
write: h=7 m=51 s=35
